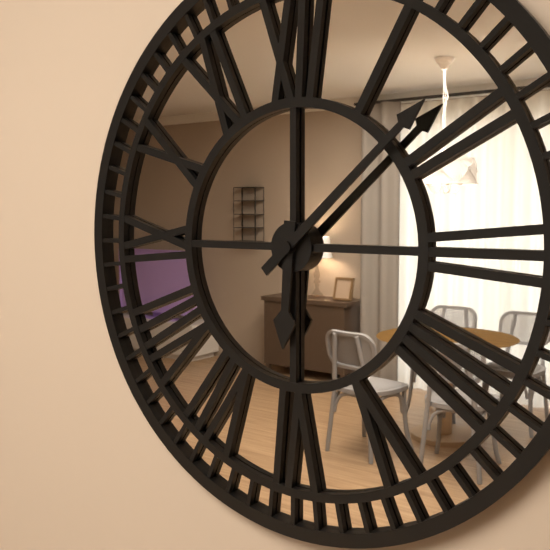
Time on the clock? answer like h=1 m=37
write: h=6 m=8
